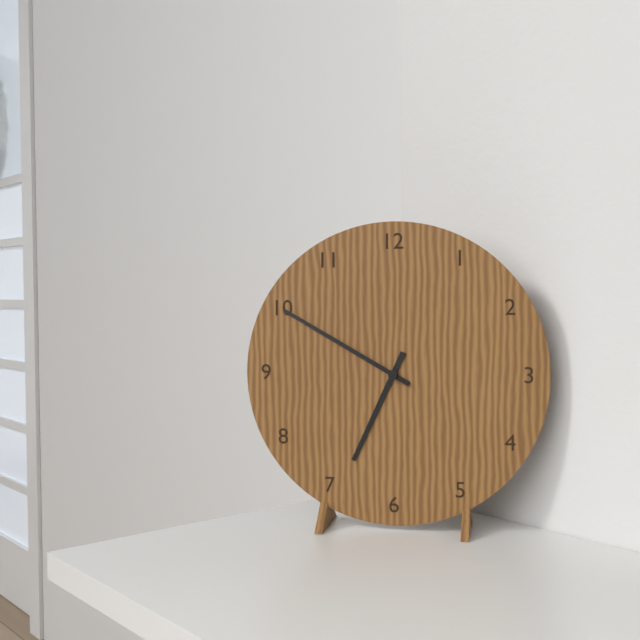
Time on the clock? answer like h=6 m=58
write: h=6 m=50
